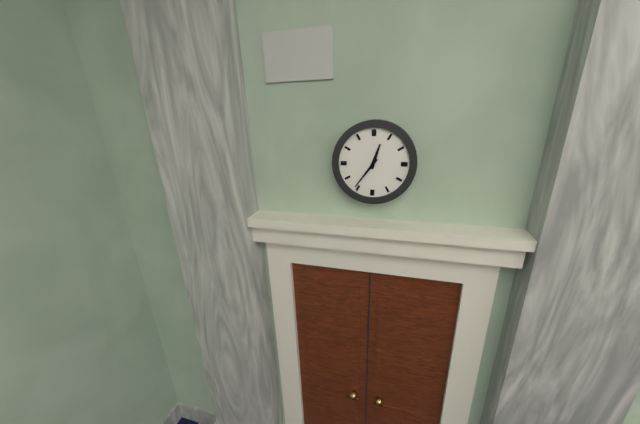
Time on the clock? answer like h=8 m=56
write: h=12 m=36
